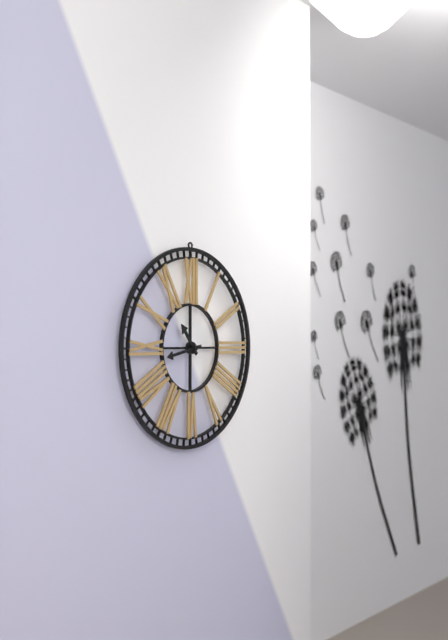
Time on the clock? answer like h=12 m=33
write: h=10 m=43
